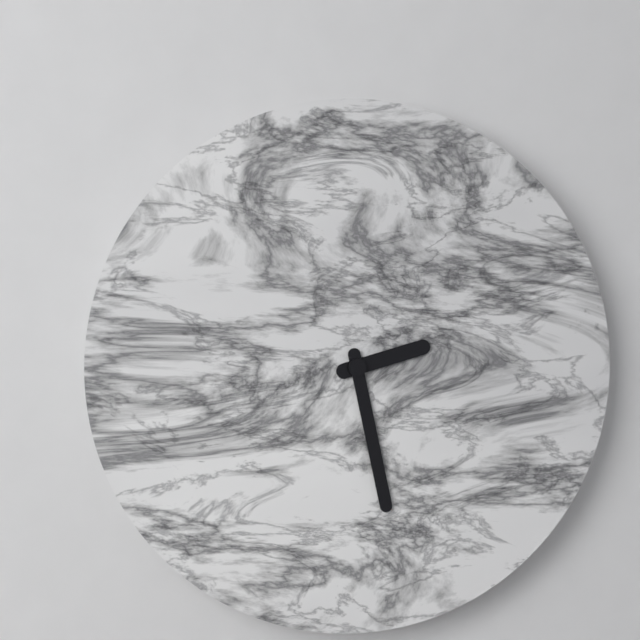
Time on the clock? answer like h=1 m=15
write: h=2 m=28
